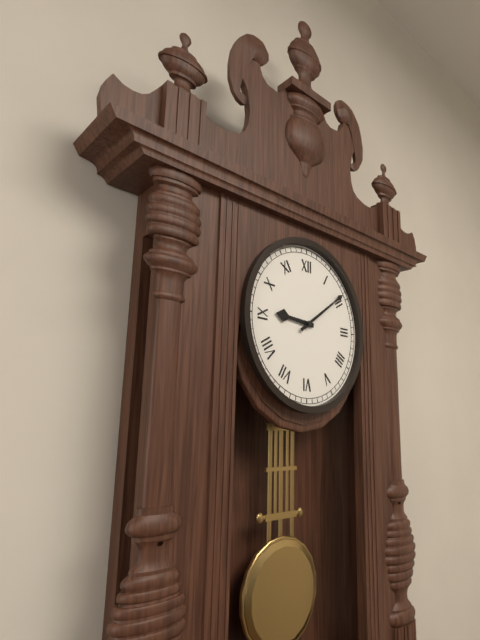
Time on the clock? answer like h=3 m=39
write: h=9 m=9
